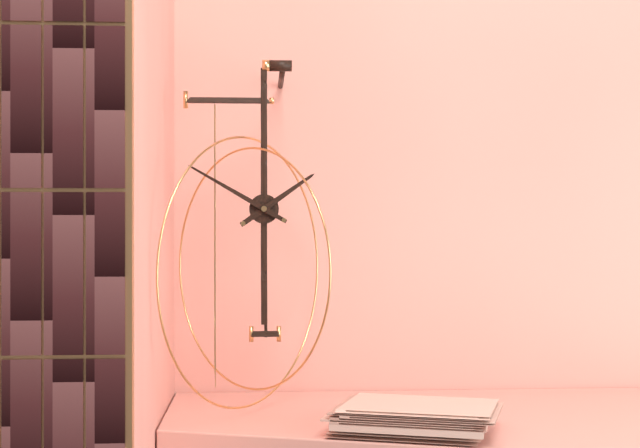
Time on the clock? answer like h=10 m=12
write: h=1 m=50
